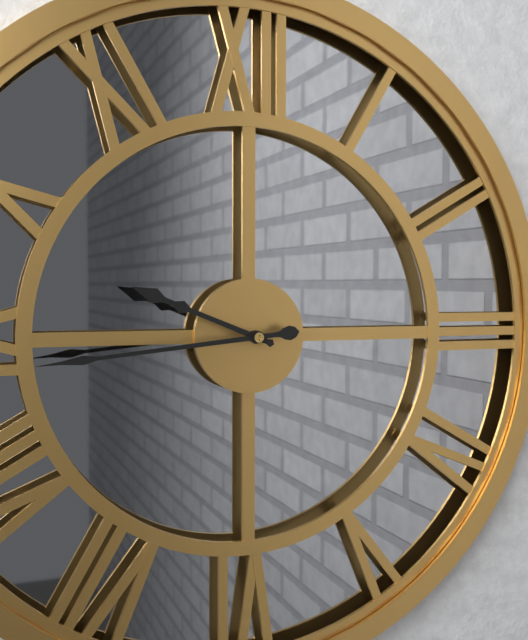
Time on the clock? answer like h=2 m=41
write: h=9 m=44
